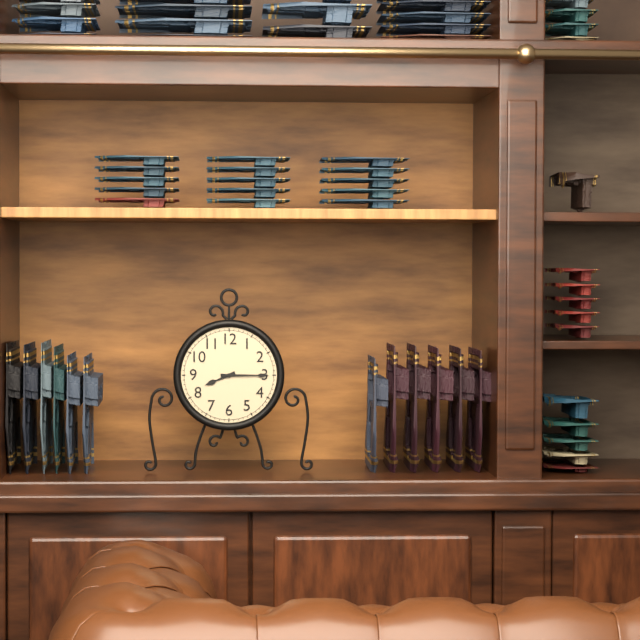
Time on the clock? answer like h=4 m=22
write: h=8 m=15
